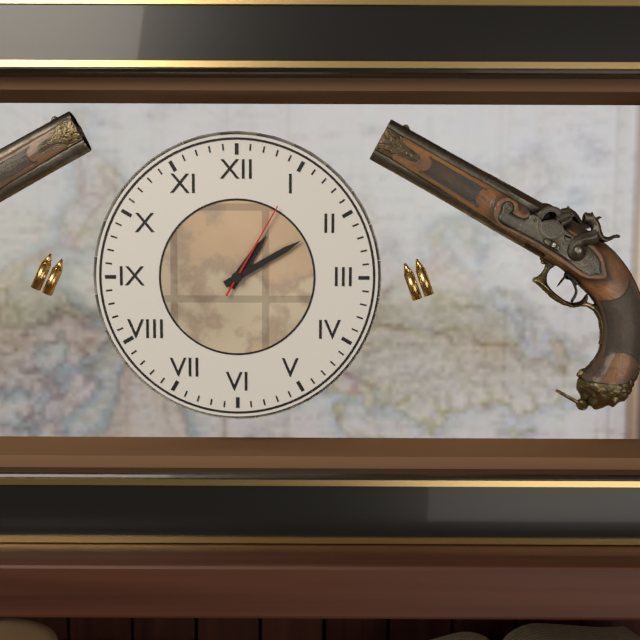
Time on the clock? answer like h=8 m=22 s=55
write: h=1 m=10 s=5
